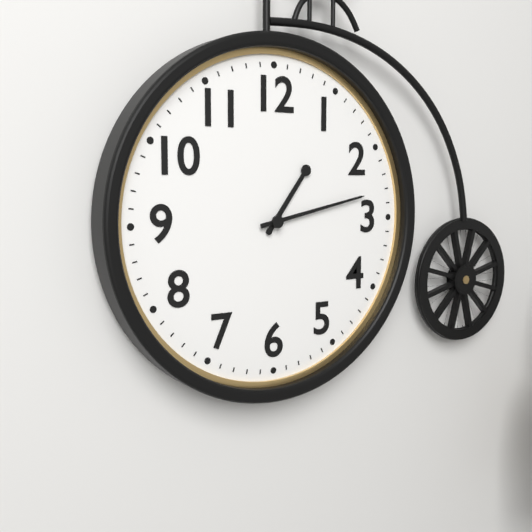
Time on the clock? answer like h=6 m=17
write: h=1 m=13
